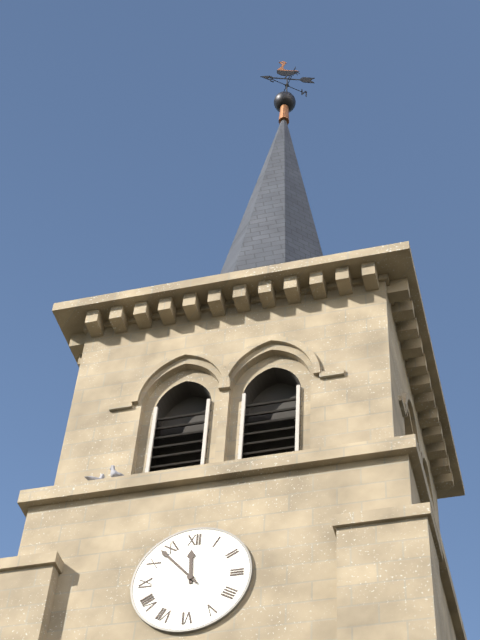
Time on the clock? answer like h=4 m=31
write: h=11 m=53
